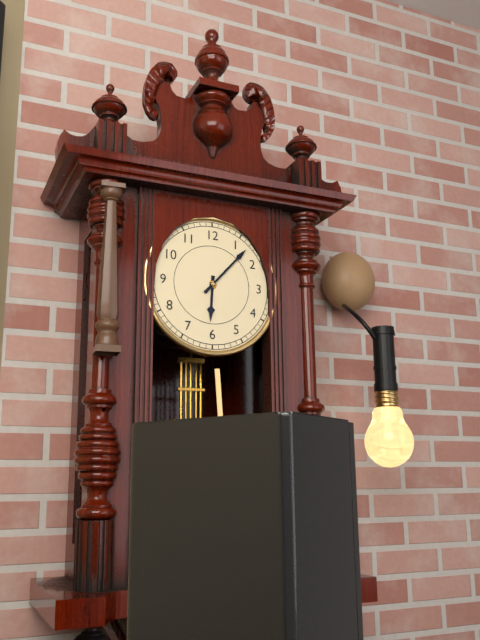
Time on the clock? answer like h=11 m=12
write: h=6 m=7
